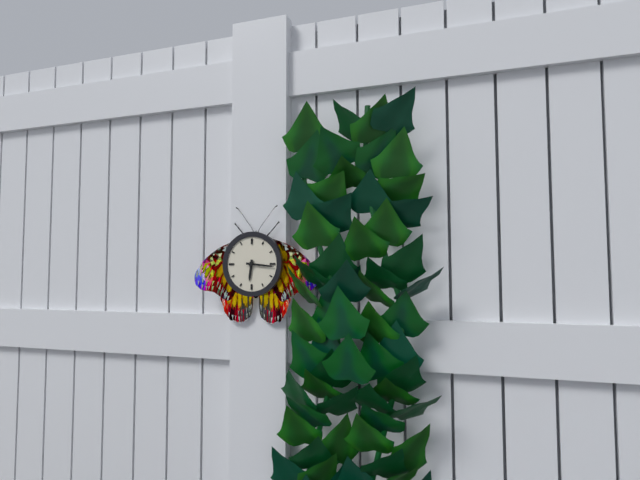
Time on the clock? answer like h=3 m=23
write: h=6 m=16
